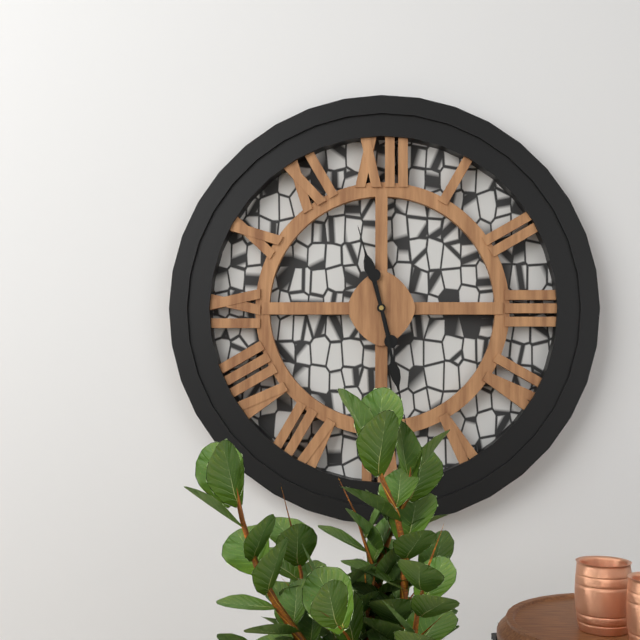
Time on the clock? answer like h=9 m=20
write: h=11 m=28
